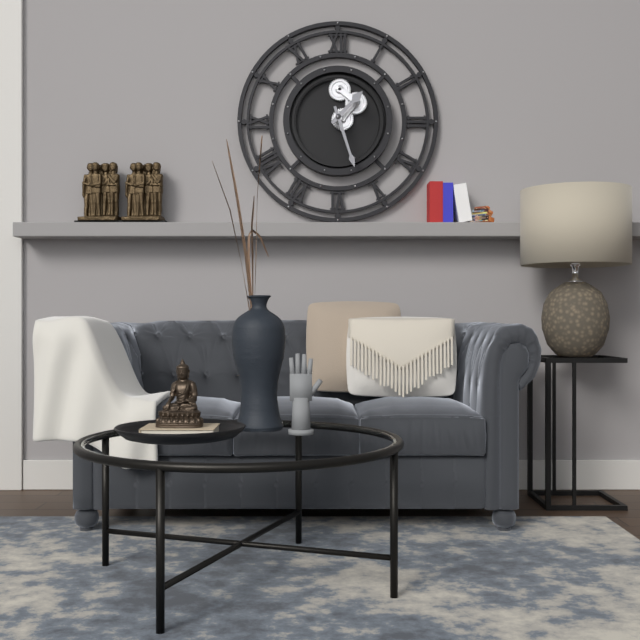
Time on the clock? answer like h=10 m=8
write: h=1 m=27
